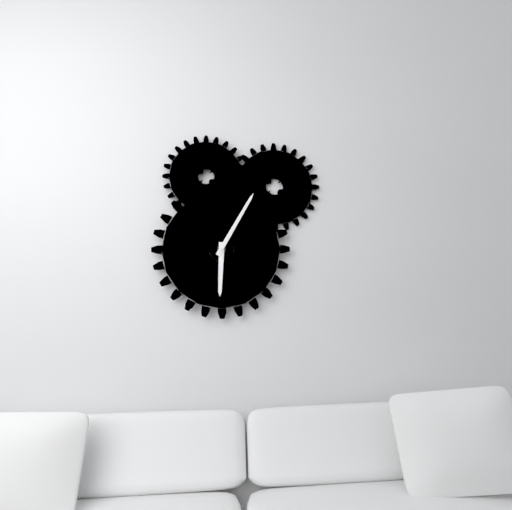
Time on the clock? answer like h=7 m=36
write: h=6 m=5
